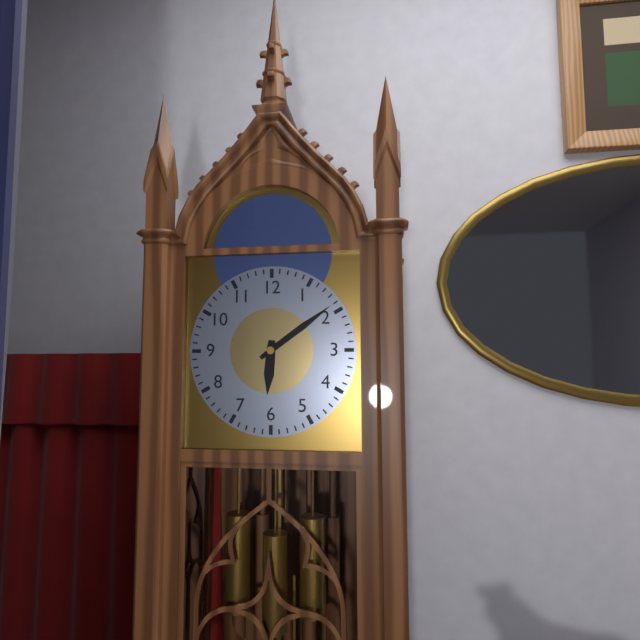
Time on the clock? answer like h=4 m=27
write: h=6 m=9
